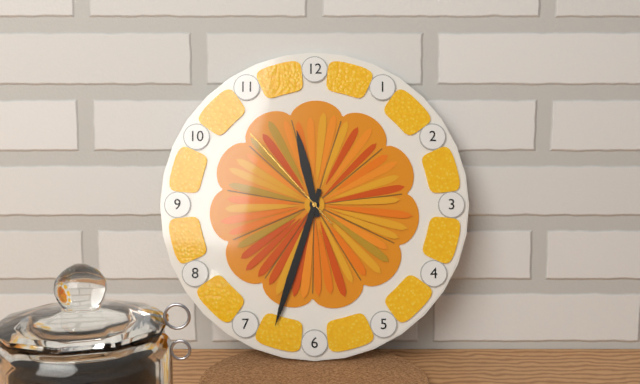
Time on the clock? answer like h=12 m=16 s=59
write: h=11 m=33 s=53
